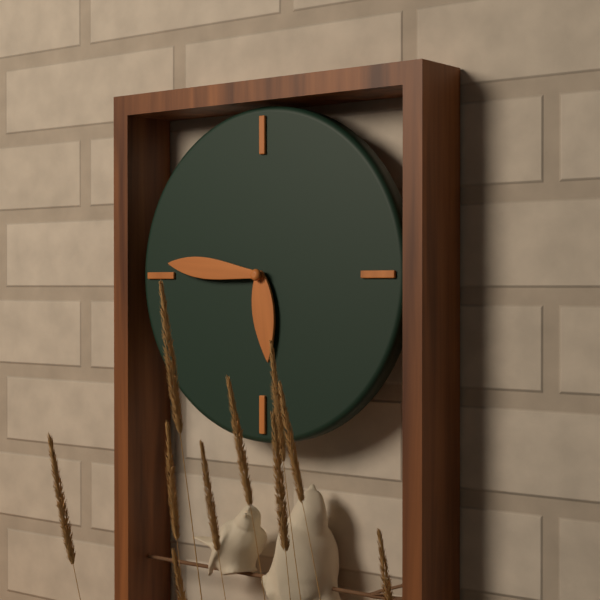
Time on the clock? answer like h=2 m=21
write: h=5 m=46
